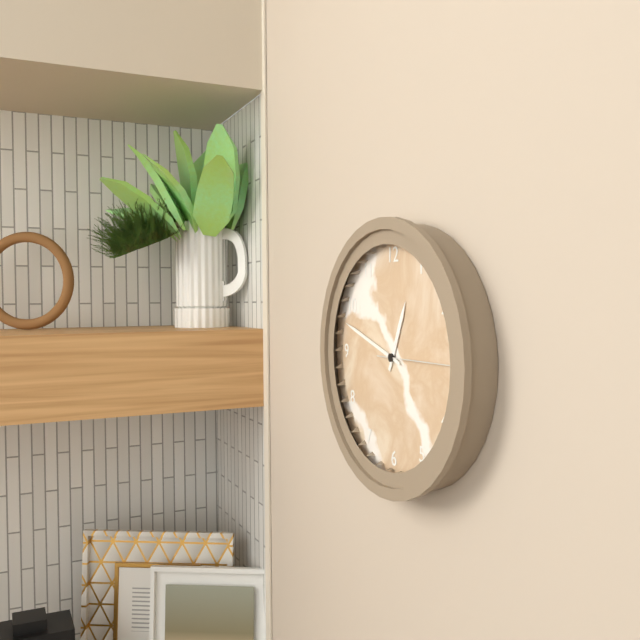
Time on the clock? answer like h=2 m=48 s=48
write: h=12 m=48 s=15
